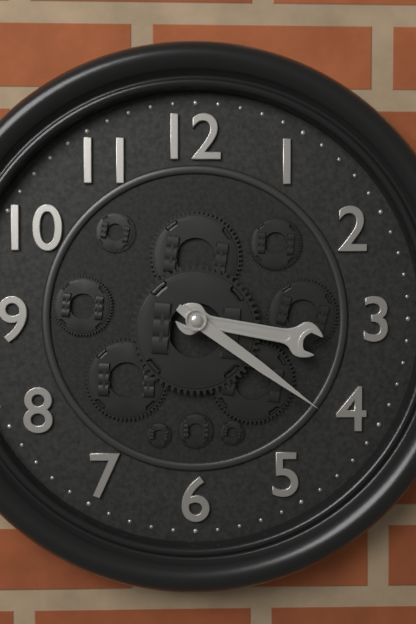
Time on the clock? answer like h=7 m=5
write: h=3 m=21
